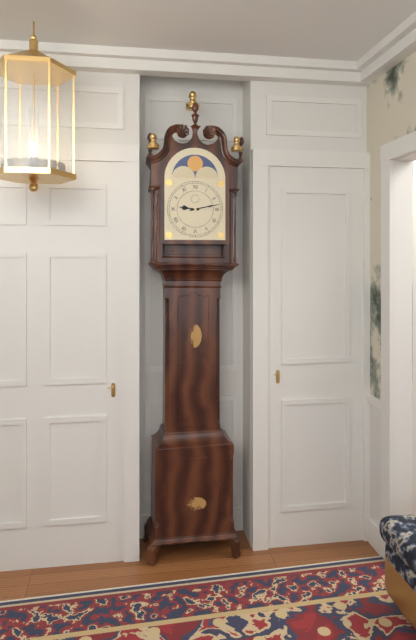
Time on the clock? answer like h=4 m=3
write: h=9 m=13
